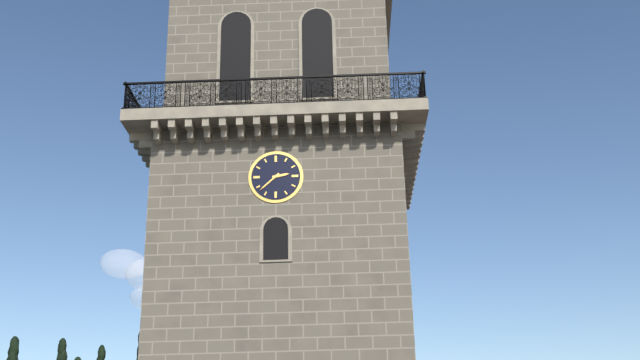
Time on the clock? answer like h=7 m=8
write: h=2 m=38
